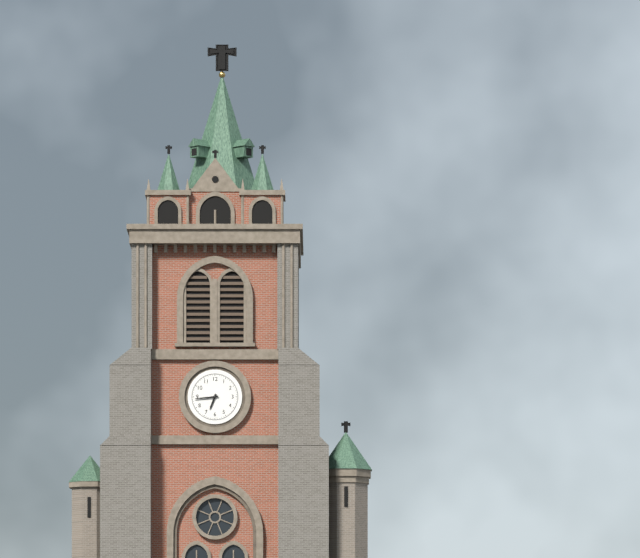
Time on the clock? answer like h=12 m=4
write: h=6 m=44
